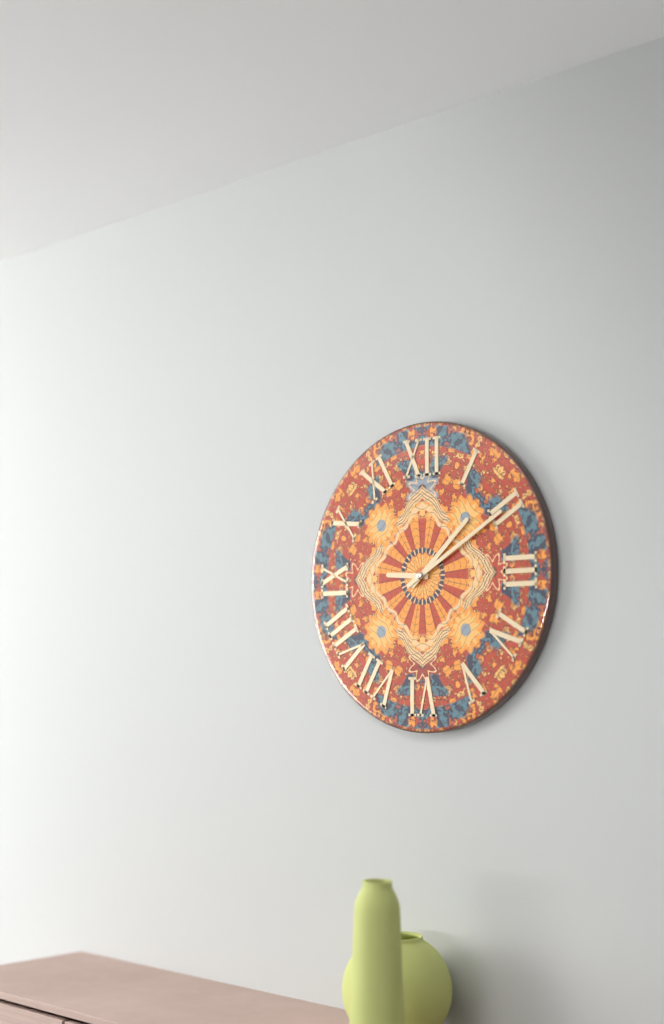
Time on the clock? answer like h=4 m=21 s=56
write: h=9 m=8 s=10
